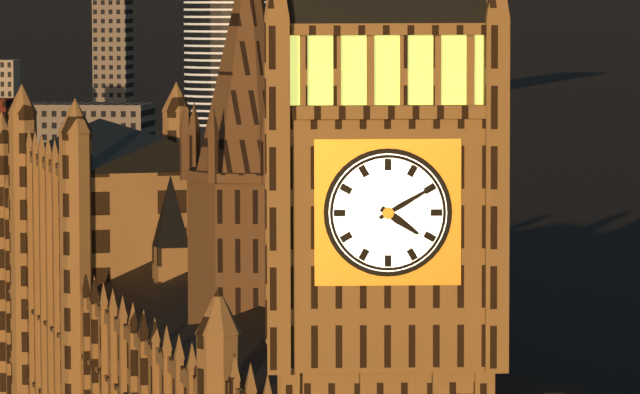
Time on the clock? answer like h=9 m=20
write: h=4 m=10
